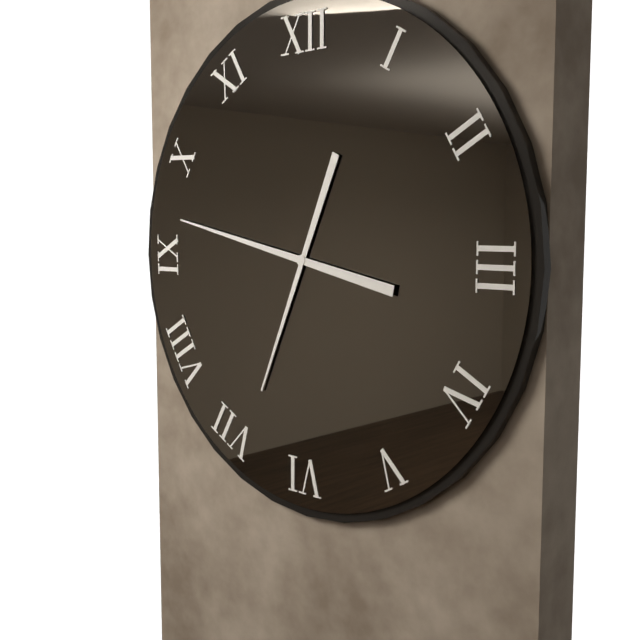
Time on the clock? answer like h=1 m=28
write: h=6 m=47
